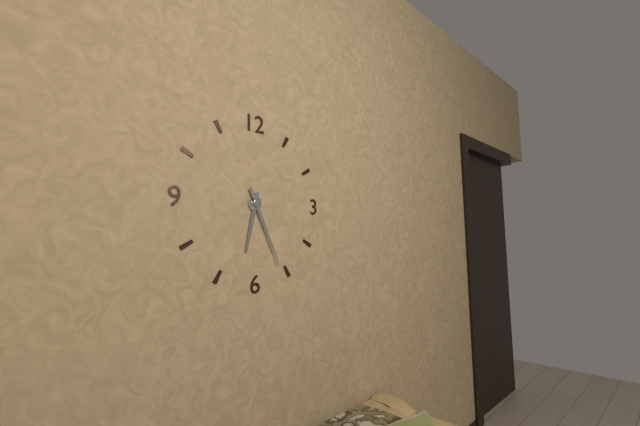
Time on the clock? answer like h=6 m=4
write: h=6 m=26
